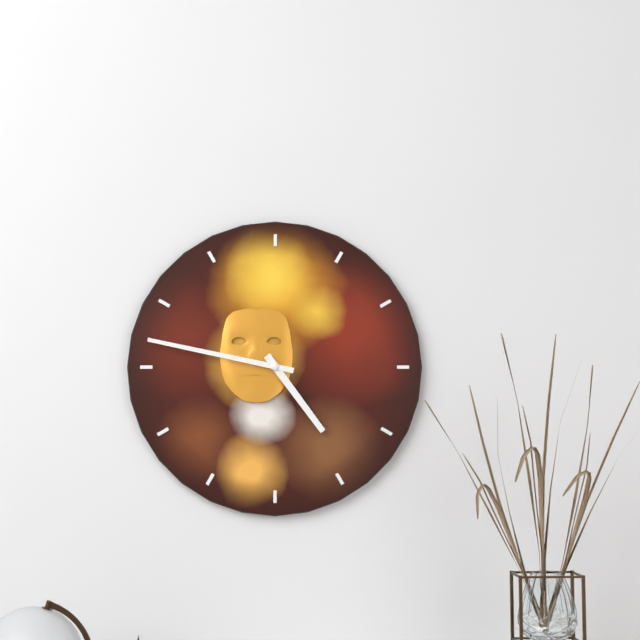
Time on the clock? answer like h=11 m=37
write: h=4 m=47
